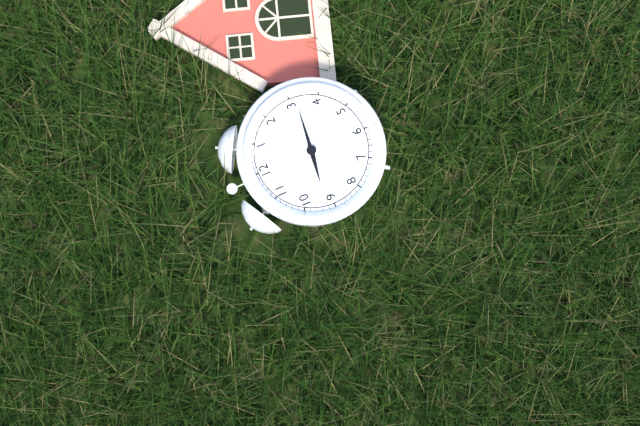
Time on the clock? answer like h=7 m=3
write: h=9 m=16
